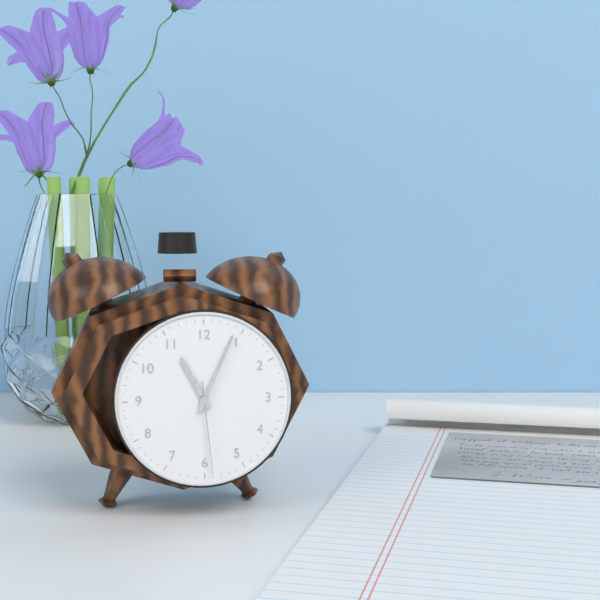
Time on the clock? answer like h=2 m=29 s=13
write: h=11 m=4 s=29
